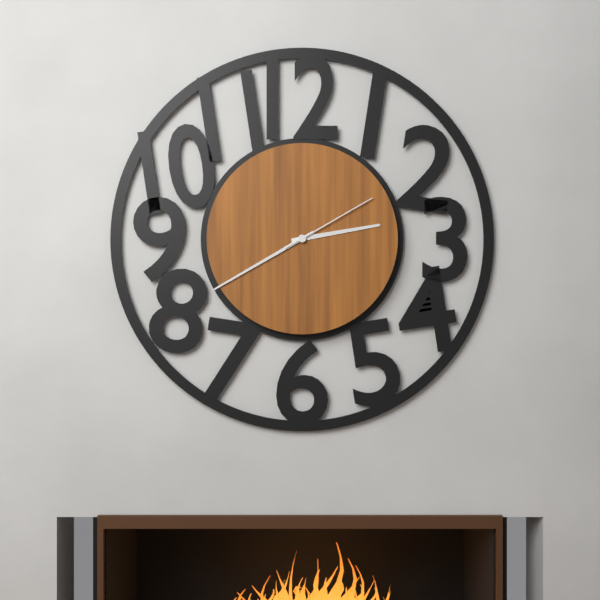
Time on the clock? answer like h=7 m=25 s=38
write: h=2 m=40 s=10
